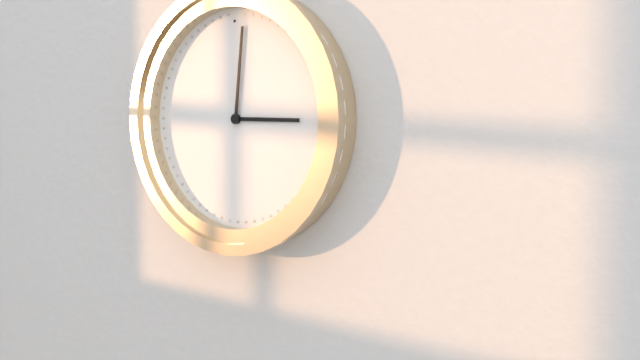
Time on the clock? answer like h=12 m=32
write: h=3 m=1
